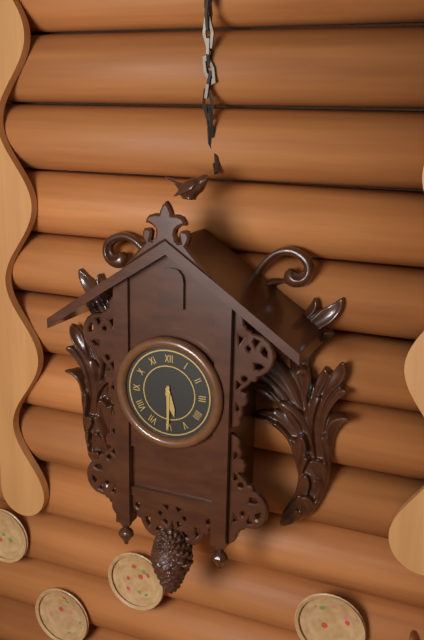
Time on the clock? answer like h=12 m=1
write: h=5 m=30
